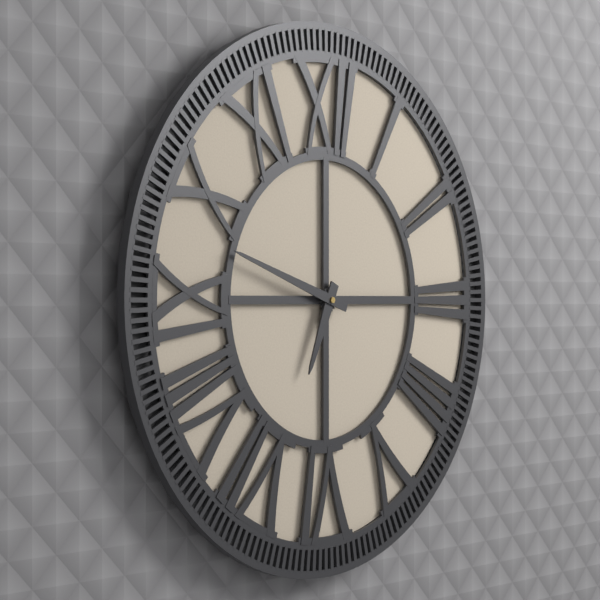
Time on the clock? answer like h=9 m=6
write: h=6 m=48
